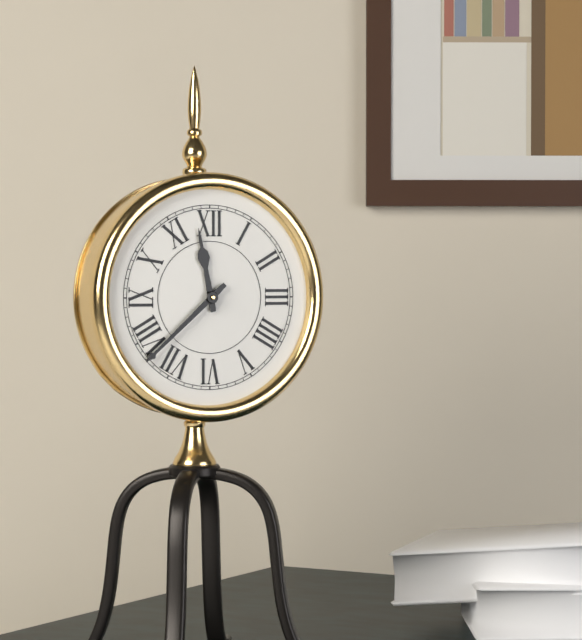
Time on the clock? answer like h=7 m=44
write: h=11 m=38
